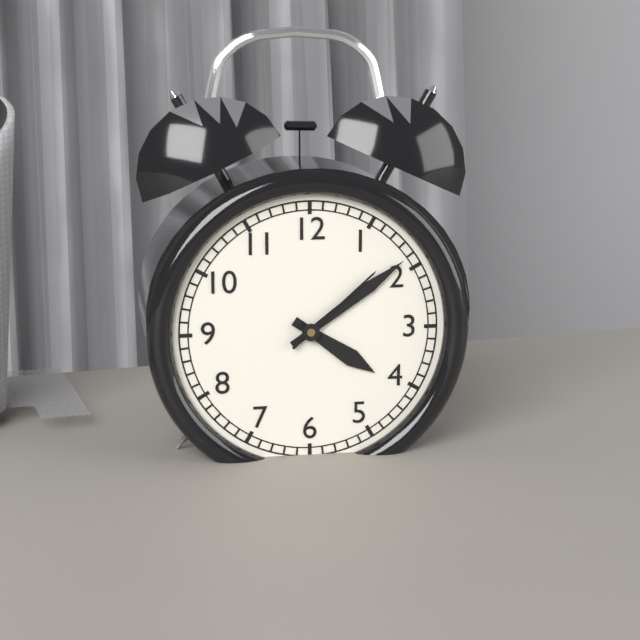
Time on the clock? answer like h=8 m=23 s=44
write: h=4 m=9 s=8
